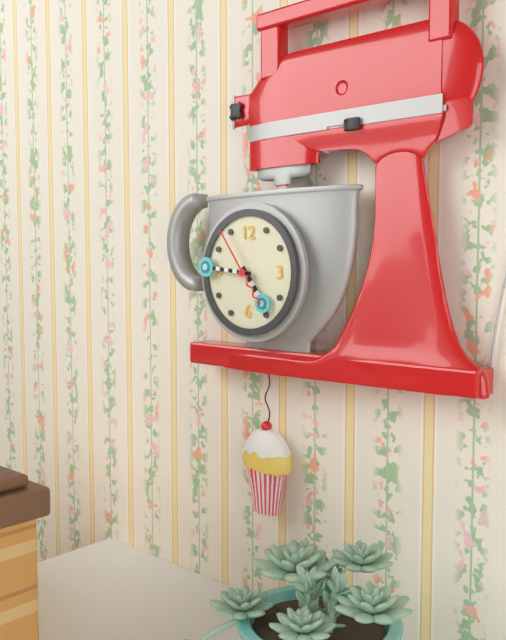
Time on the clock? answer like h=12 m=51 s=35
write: h=4 m=46 s=54
